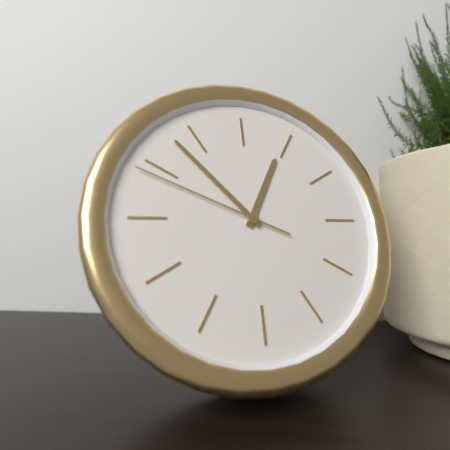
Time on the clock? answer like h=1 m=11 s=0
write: h=12 m=53 s=49
